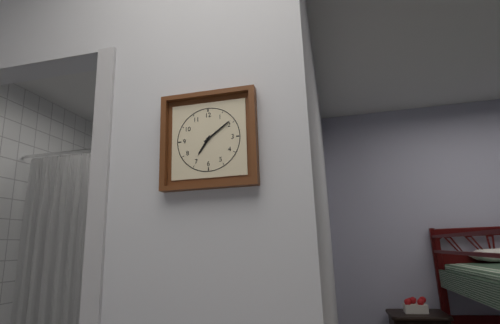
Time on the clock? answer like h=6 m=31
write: h=7 m=9
